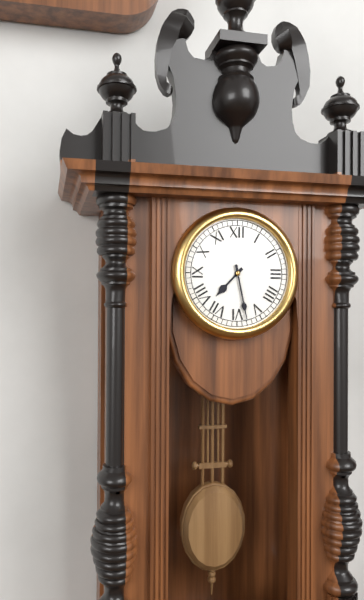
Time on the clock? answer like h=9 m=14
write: h=7 m=28
